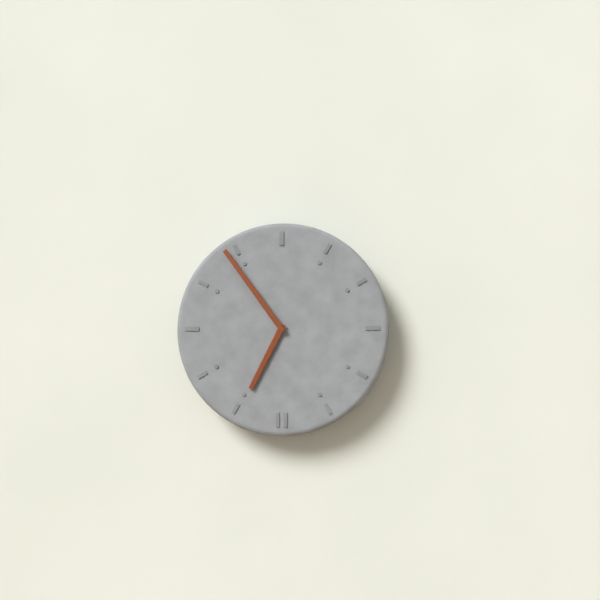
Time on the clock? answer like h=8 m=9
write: h=6 m=54
